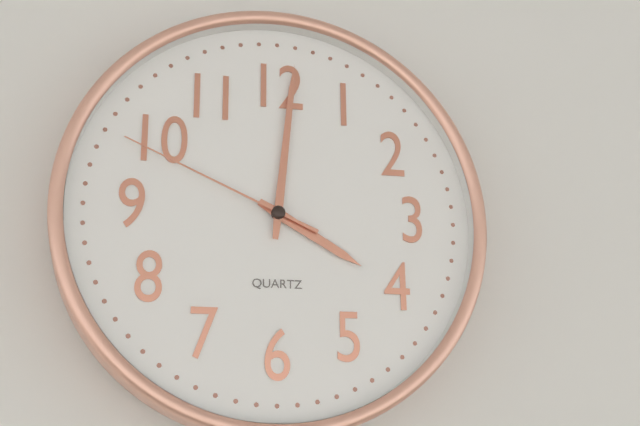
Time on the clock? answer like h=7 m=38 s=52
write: h=4 m=1 s=49
